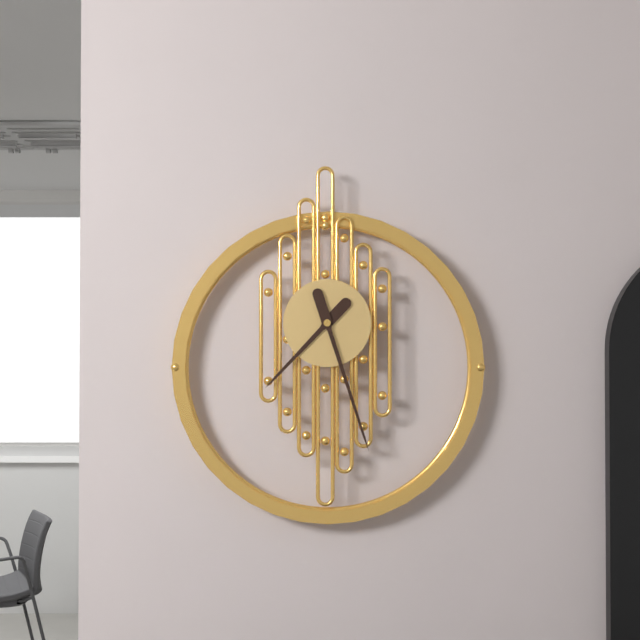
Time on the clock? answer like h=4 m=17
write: h=7 m=27
